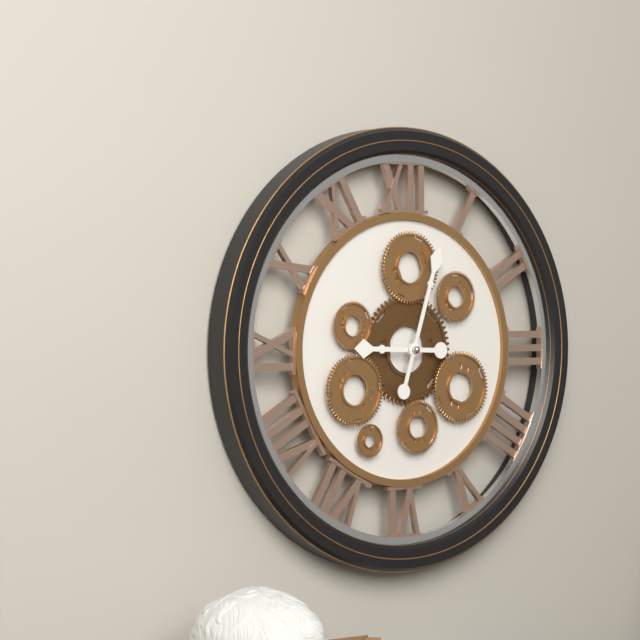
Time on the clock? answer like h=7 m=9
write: h=9 m=3
